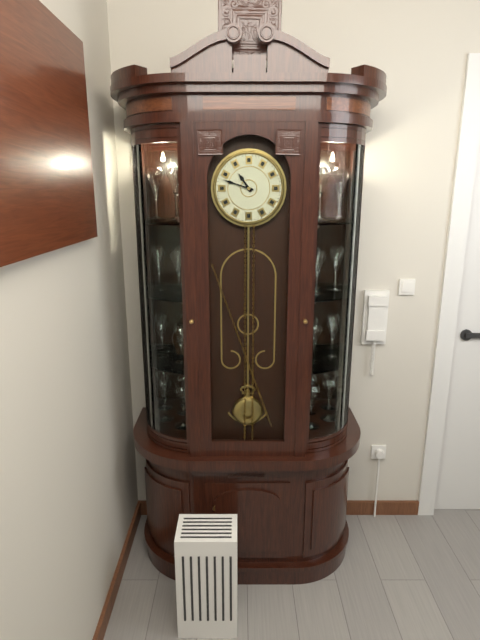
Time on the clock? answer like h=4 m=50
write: h=10 m=48
